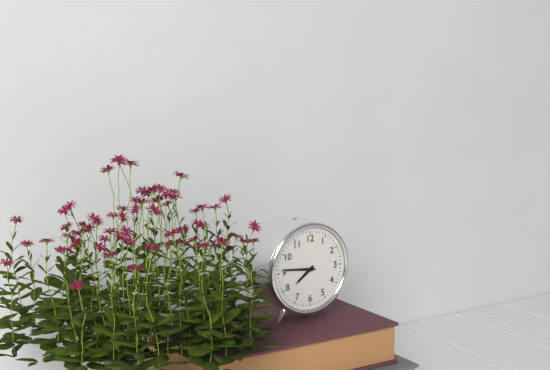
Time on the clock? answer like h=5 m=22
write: h=7 m=46
